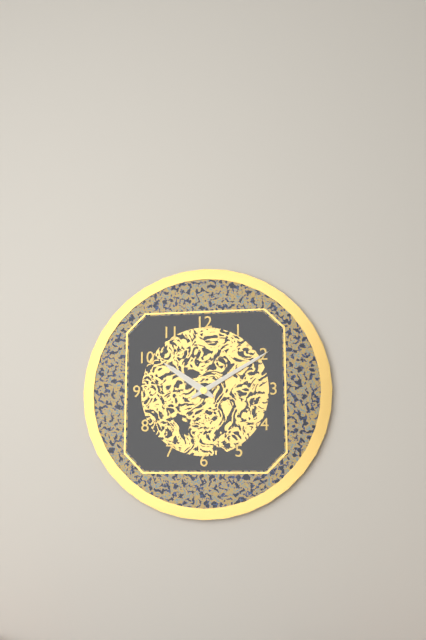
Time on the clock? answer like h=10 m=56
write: h=10 m=10
